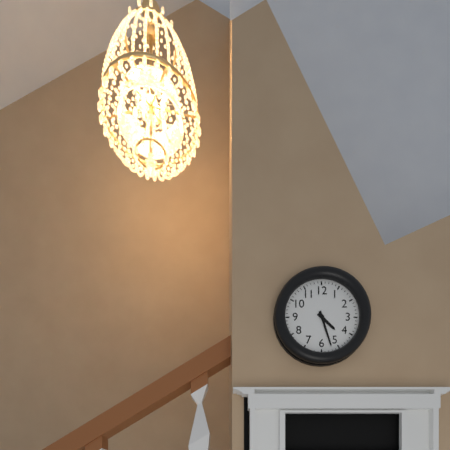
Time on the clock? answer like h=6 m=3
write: h=4 m=27
